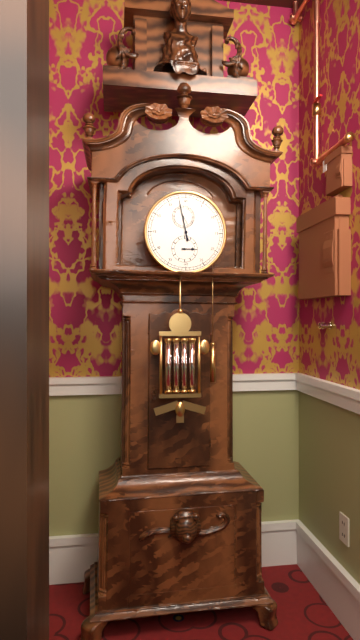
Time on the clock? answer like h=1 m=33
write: h=2 m=58
